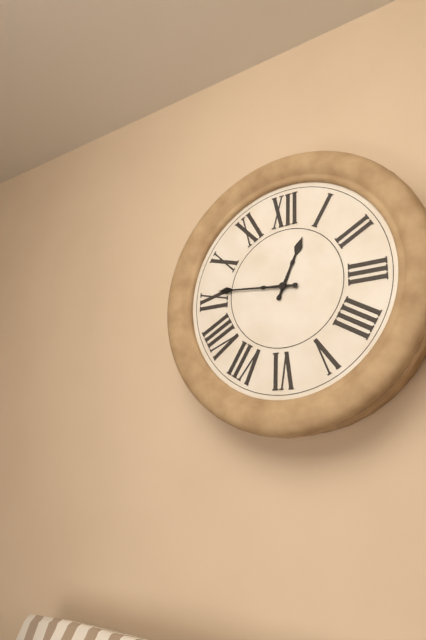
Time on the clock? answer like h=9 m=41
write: h=12 m=46
